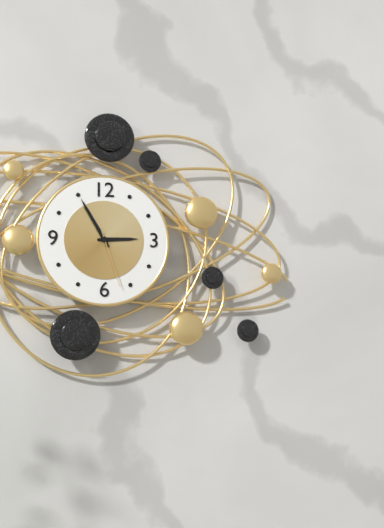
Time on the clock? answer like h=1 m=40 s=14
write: h=2 m=55 s=27
